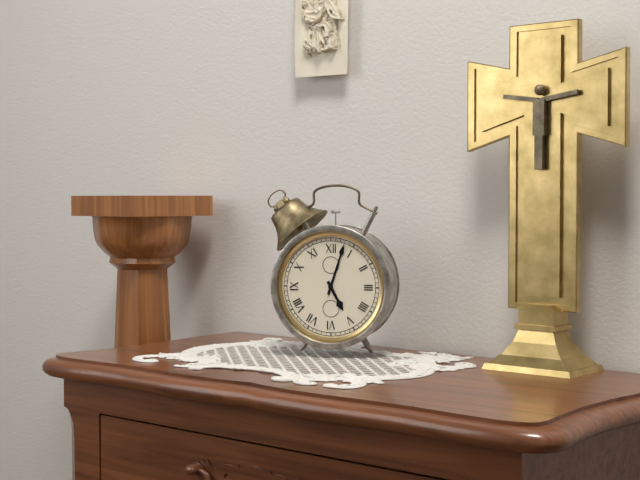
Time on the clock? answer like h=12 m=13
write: h=5 m=3
